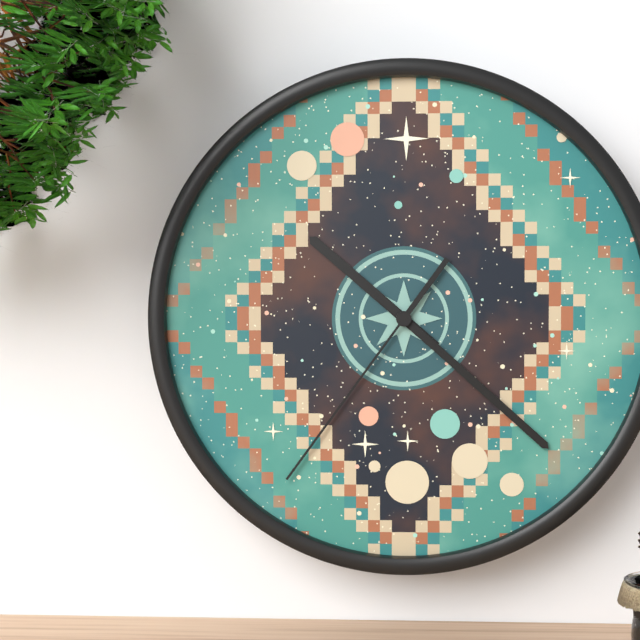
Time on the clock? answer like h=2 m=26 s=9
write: h=10 m=22 s=36
